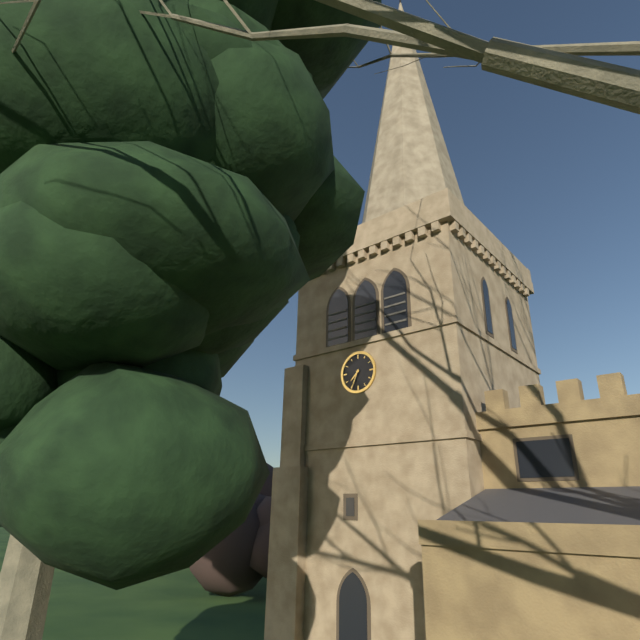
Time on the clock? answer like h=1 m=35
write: h=7 m=34
